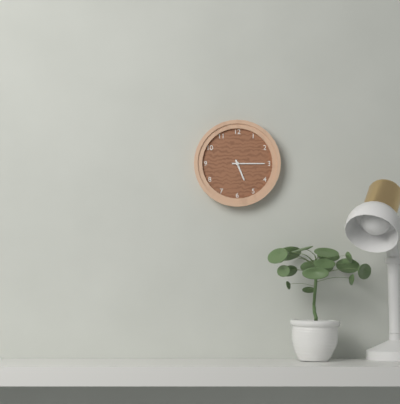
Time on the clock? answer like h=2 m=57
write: h=5 m=15
